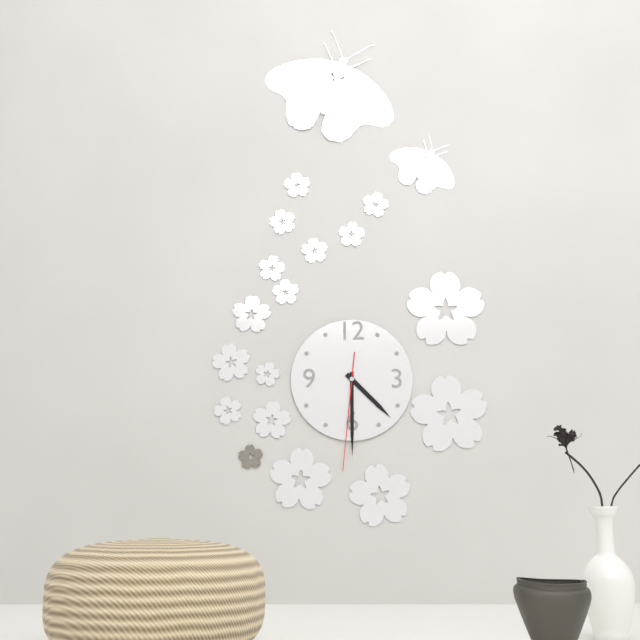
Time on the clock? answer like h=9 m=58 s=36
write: h=4 m=30 s=31
